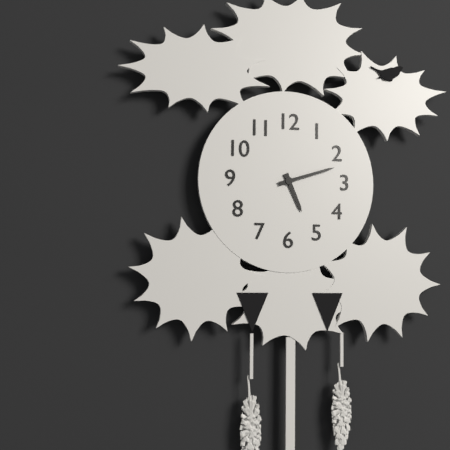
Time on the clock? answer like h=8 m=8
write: h=5 m=12
